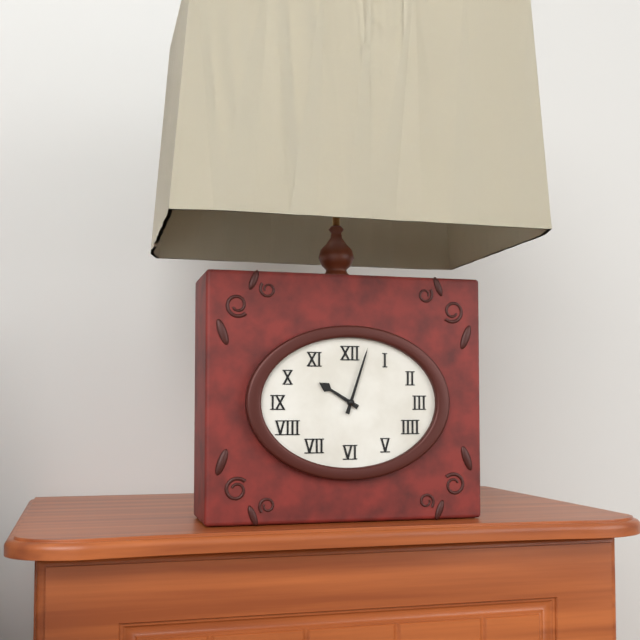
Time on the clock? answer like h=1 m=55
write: h=10 m=3
